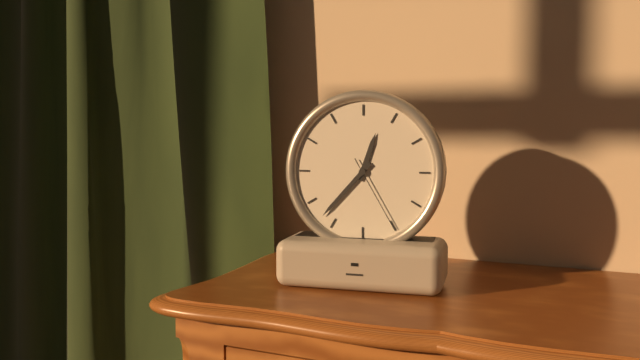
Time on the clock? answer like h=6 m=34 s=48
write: h=12 m=37 s=25
